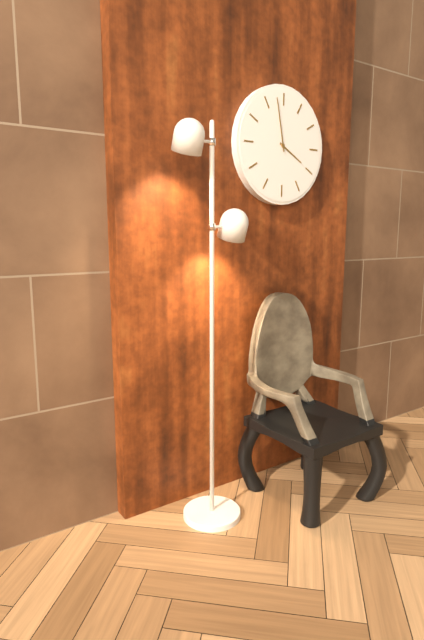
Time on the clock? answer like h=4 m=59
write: h=3 m=58
